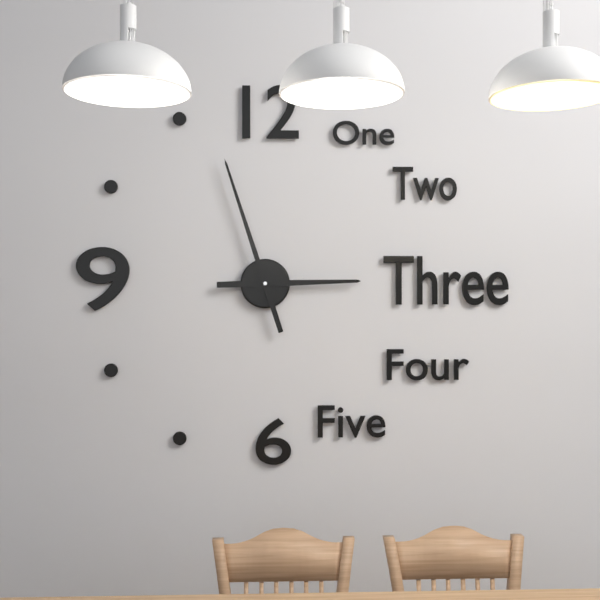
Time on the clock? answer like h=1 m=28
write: h=2 m=57
